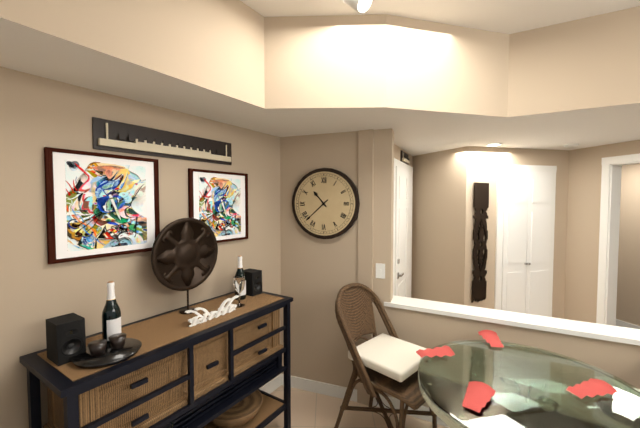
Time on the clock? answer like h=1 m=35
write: h=10 m=38
